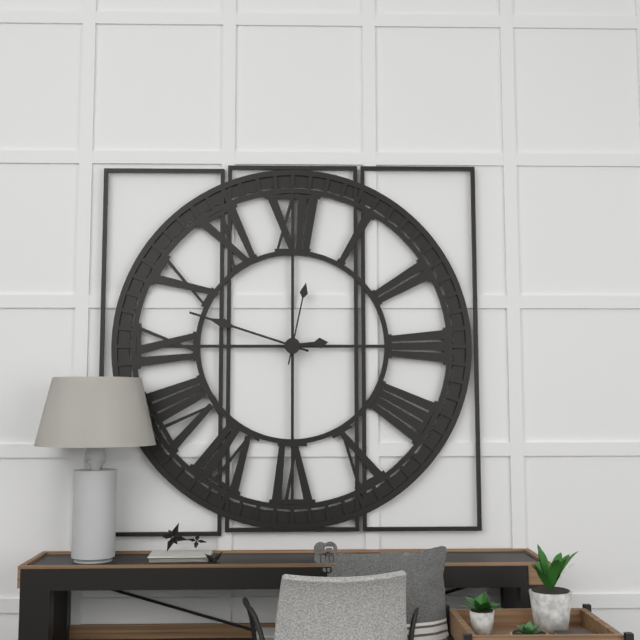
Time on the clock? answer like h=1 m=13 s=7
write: h=2 m=48 s=2
